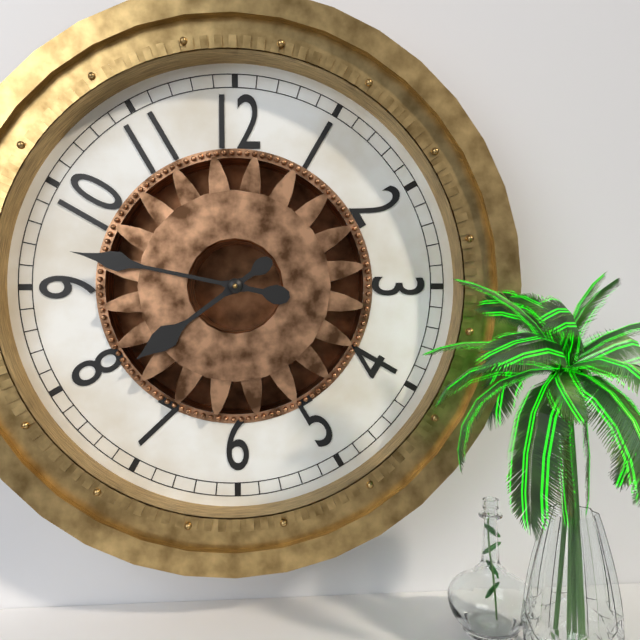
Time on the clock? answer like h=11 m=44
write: h=7 m=47
